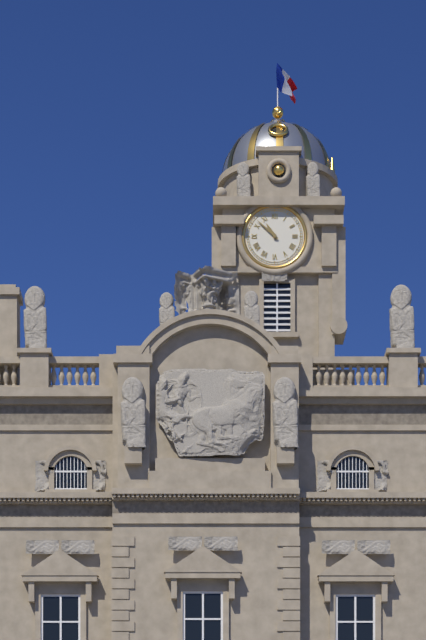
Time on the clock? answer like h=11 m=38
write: h=10 m=52
